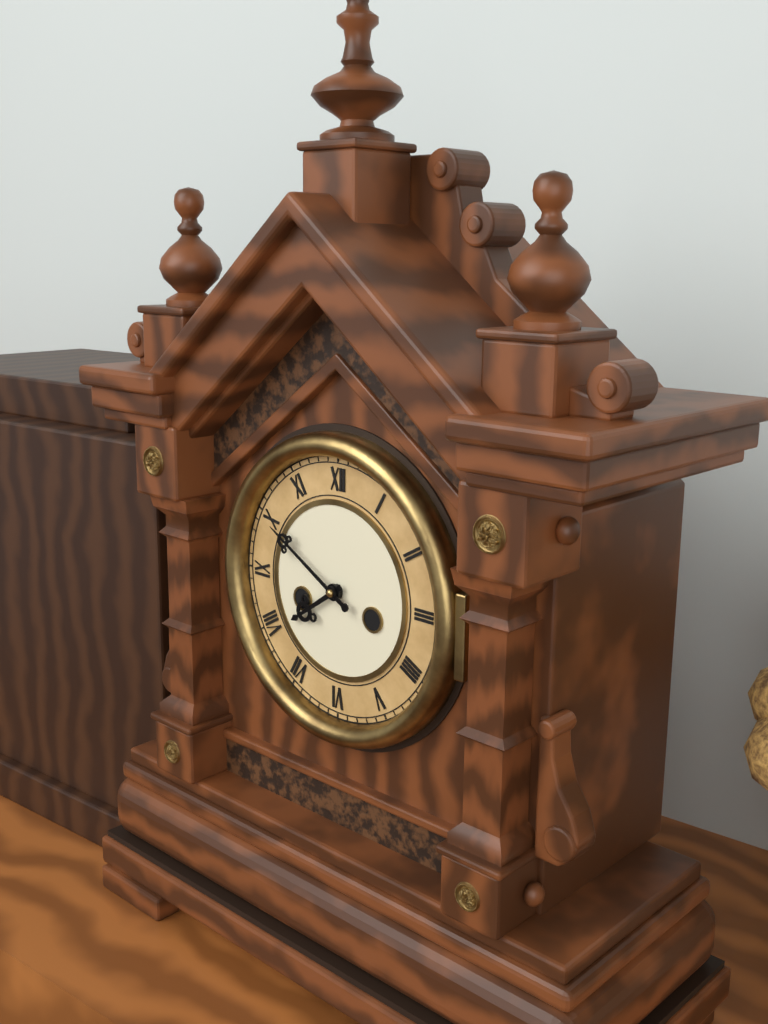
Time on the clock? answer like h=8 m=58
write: h=7 m=50
